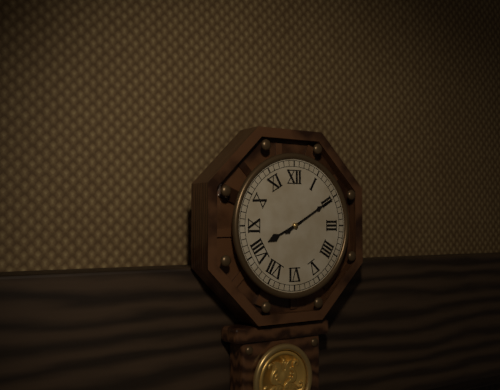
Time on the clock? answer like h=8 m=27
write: h=8 m=10
